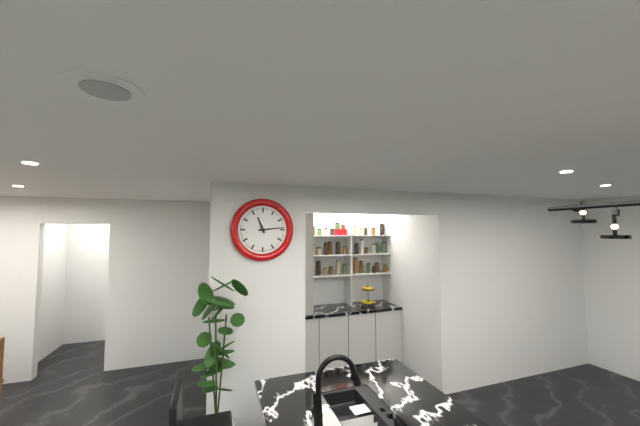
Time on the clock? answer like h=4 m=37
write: h=11 m=14
